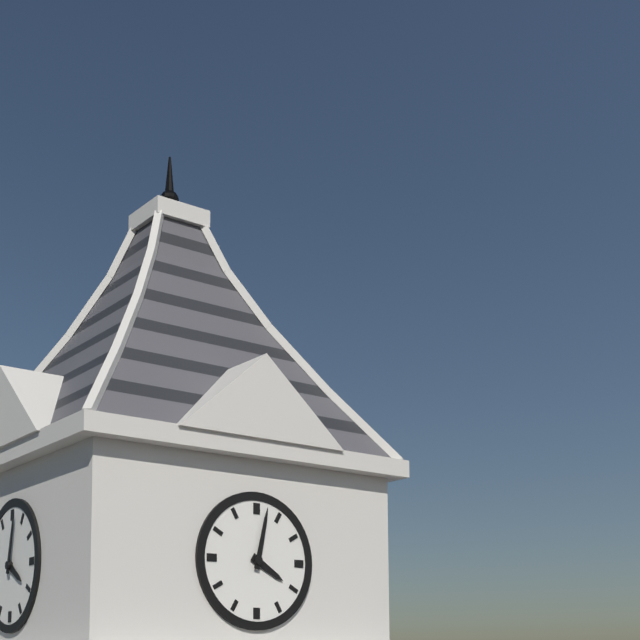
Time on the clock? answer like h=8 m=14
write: h=4 m=2
